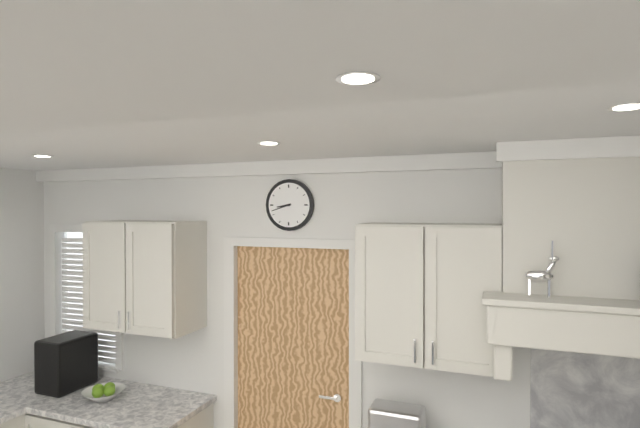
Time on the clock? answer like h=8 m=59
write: h=8 m=42
